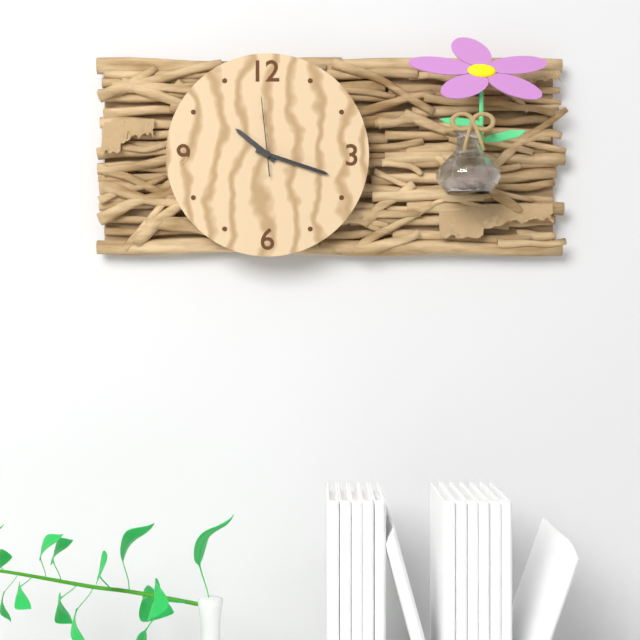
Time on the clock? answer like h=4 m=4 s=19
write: h=10 m=18 s=59
